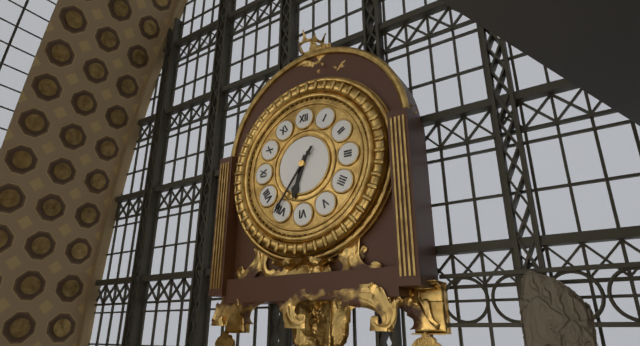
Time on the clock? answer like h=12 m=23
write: h=6 m=36
